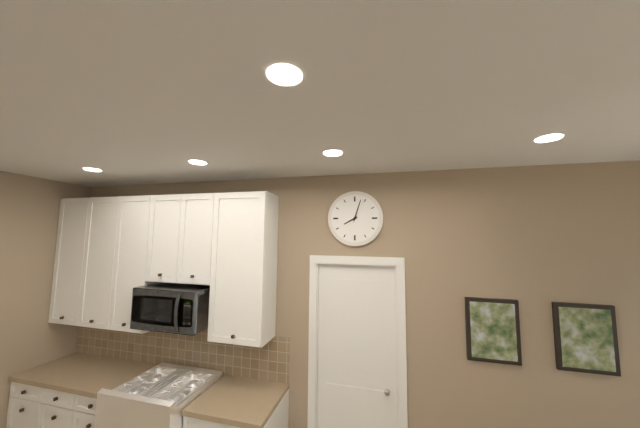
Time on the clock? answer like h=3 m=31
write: h=8 m=3
